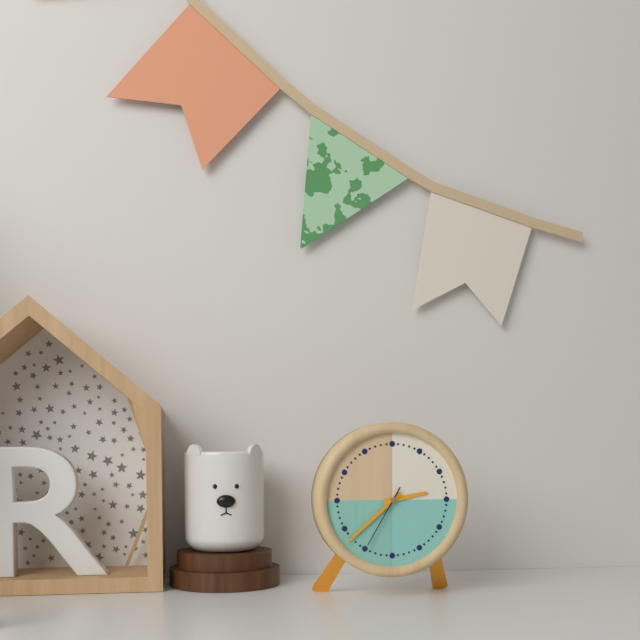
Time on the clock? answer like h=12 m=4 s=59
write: h=2 m=38 s=35
